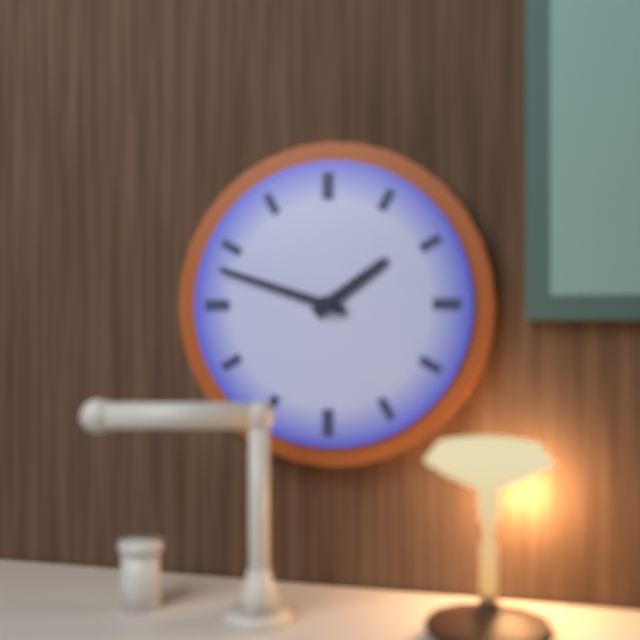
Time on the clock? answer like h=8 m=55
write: h=1 m=48
